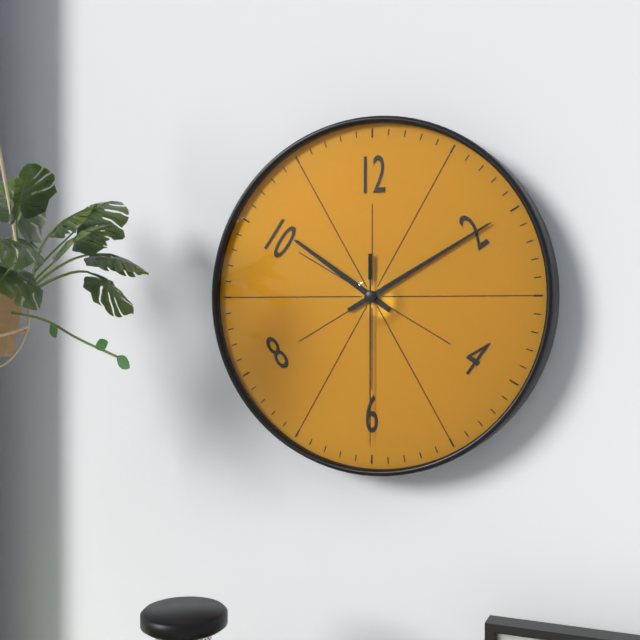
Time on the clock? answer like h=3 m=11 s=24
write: h=10 m=10 s=30
